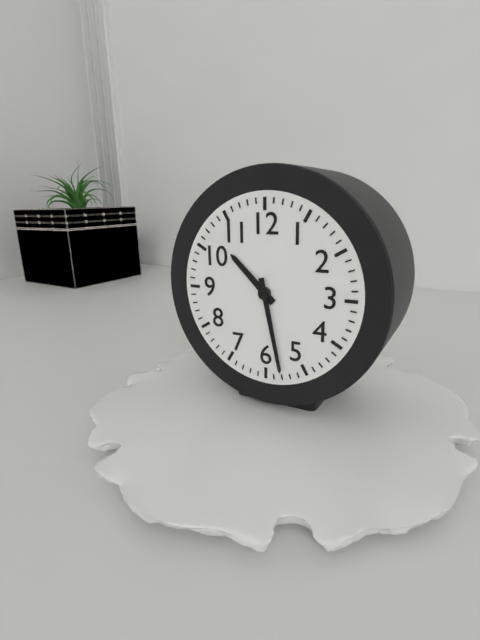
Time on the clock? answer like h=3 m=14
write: h=10 m=28
